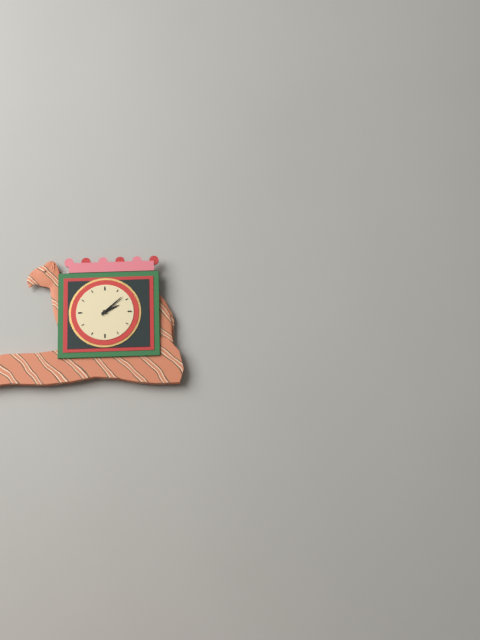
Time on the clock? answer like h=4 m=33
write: h=2 m=8
